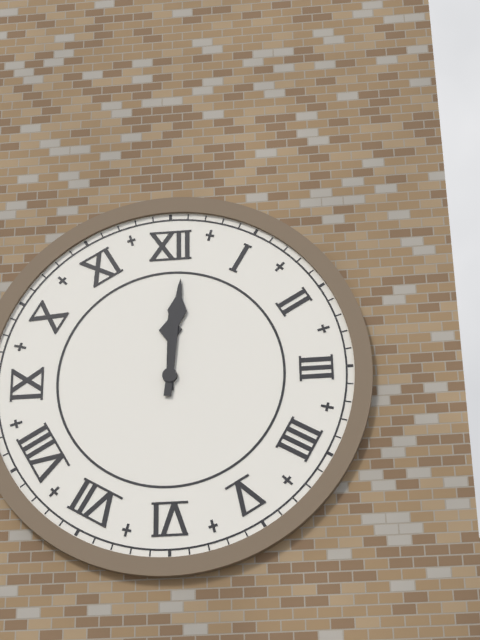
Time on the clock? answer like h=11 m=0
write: h=12 m=1
